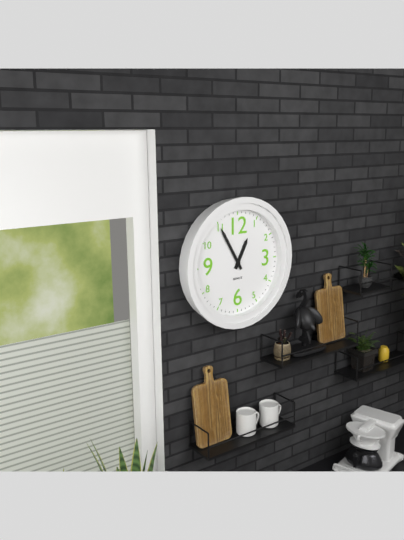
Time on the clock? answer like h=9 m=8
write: h=12 m=55
